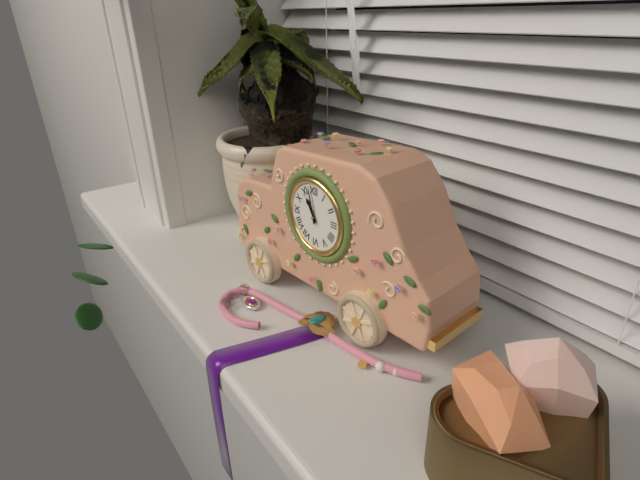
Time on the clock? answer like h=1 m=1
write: h=10 m=58
